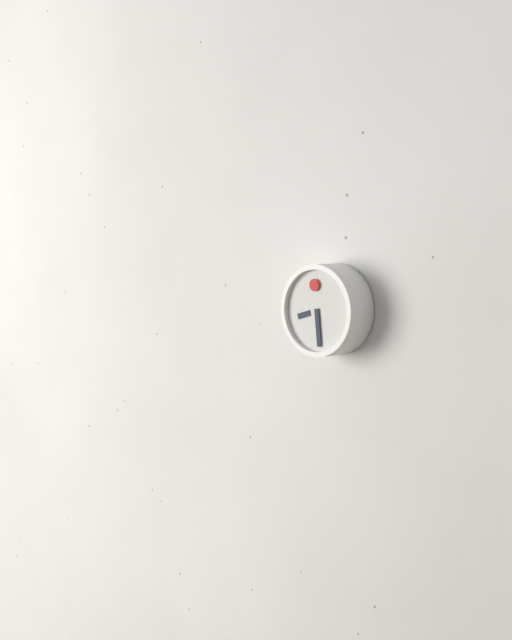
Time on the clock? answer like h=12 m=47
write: h=8 m=29
